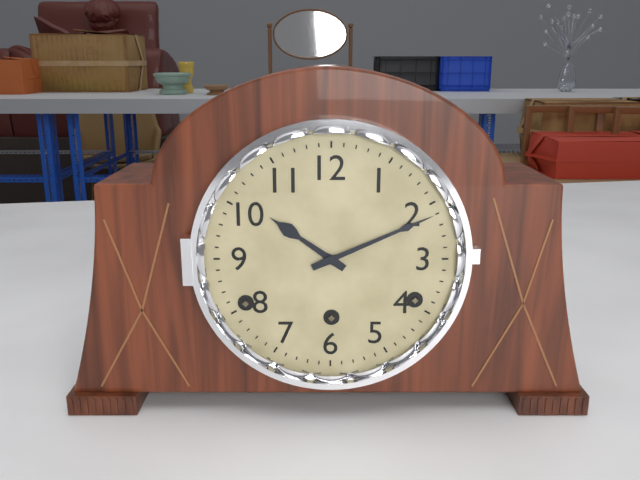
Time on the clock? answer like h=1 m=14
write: h=10 m=11
